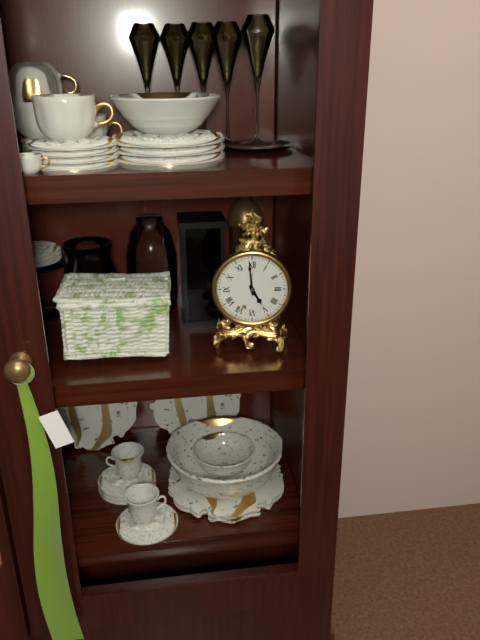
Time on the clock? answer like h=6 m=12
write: h=4 m=59
